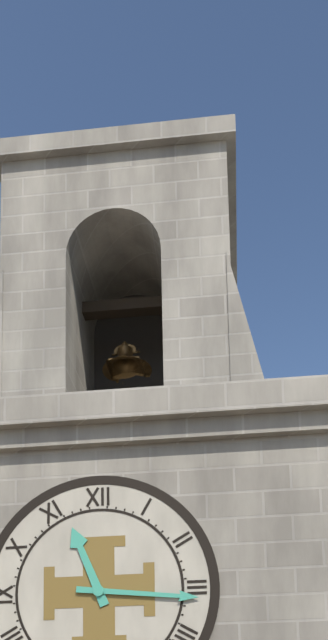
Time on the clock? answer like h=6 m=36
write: h=11 m=16
